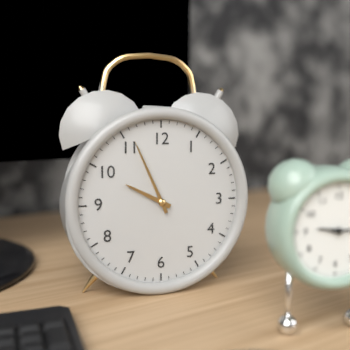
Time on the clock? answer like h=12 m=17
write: h=9 m=56
